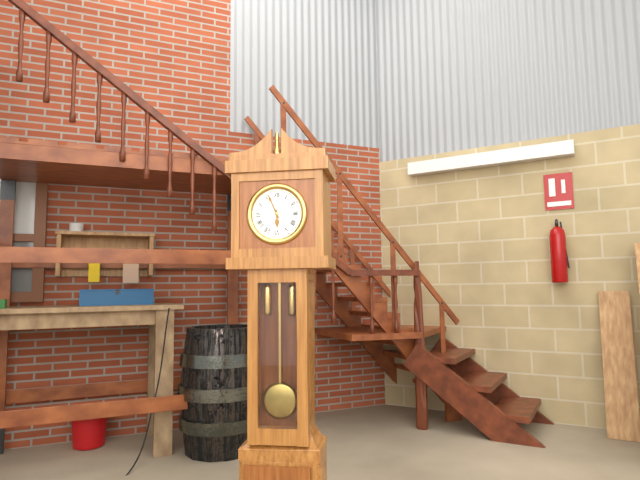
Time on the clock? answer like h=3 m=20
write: h=5 m=56
